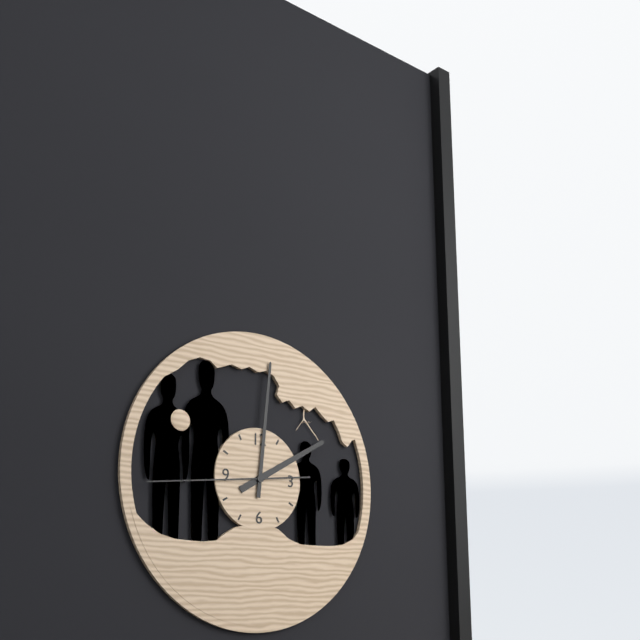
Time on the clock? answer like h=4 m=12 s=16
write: h=2 m=1 s=44
